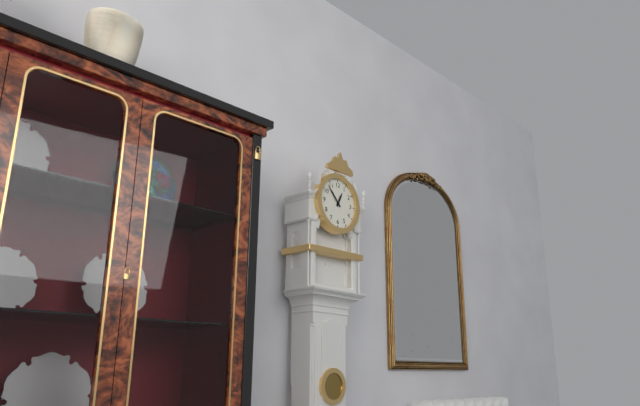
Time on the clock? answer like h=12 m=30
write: h=12 m=53
